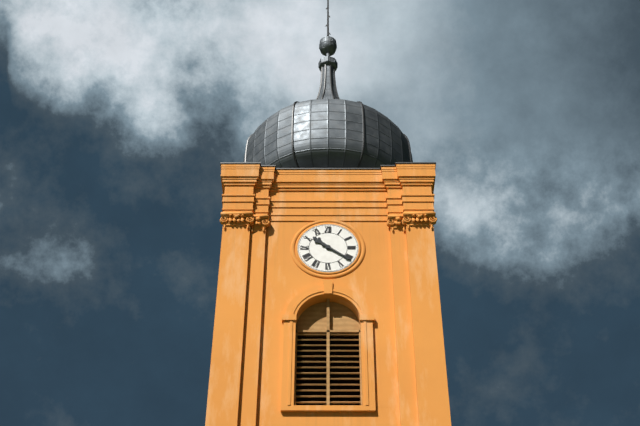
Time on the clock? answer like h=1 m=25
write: h=10 m=21
